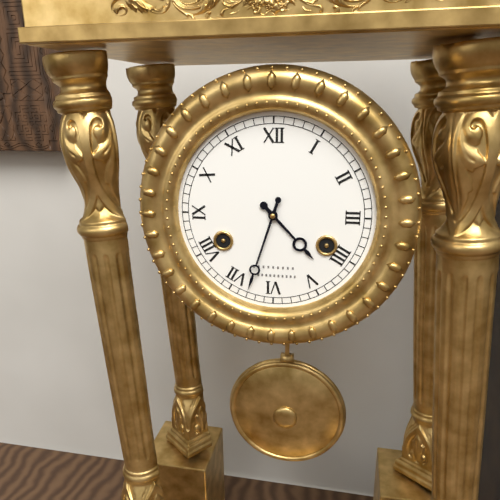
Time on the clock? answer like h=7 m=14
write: h=4 m=33
